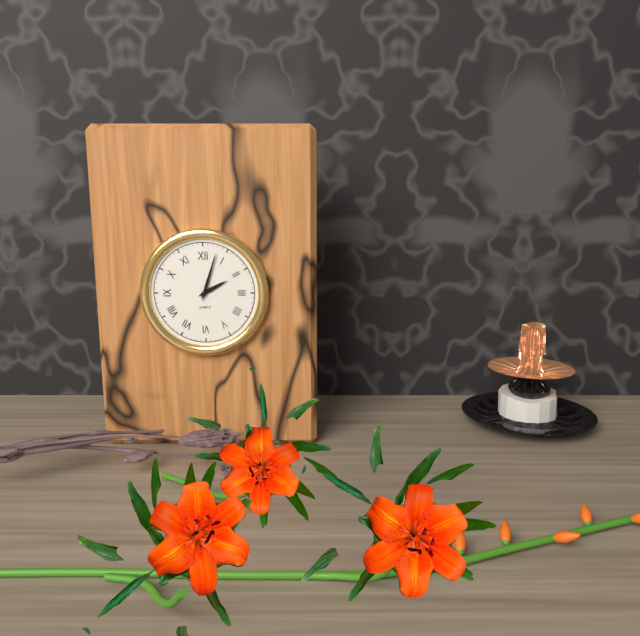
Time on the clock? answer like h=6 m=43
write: h=2 m=3
